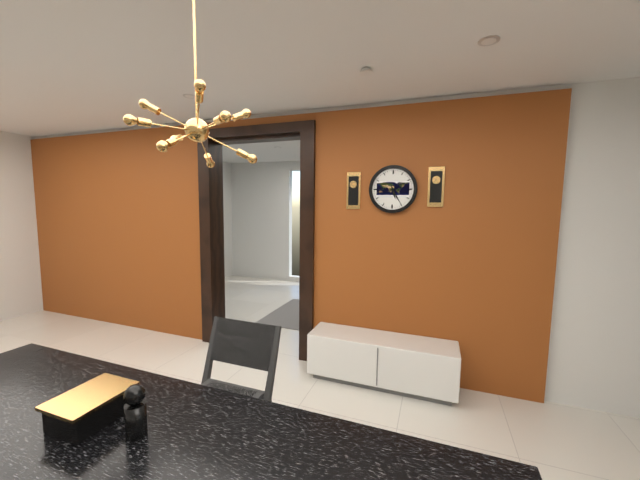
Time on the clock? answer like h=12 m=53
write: h=5 m=25
